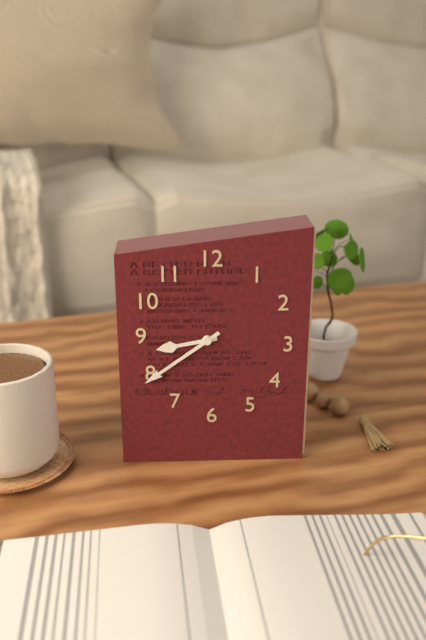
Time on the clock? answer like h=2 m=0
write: h=8 m=39
